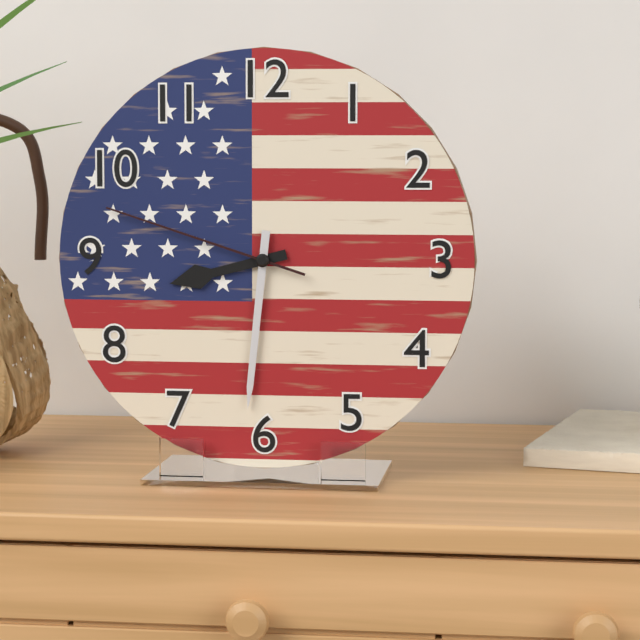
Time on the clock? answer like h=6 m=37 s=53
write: h=8 m=31 s=48
